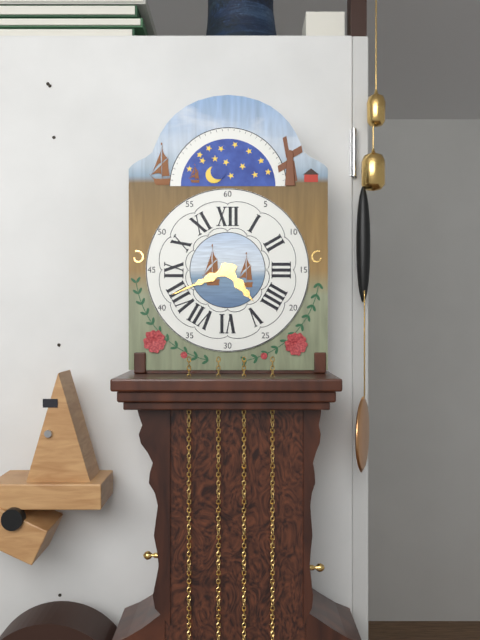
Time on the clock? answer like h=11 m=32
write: h=4 m=41
